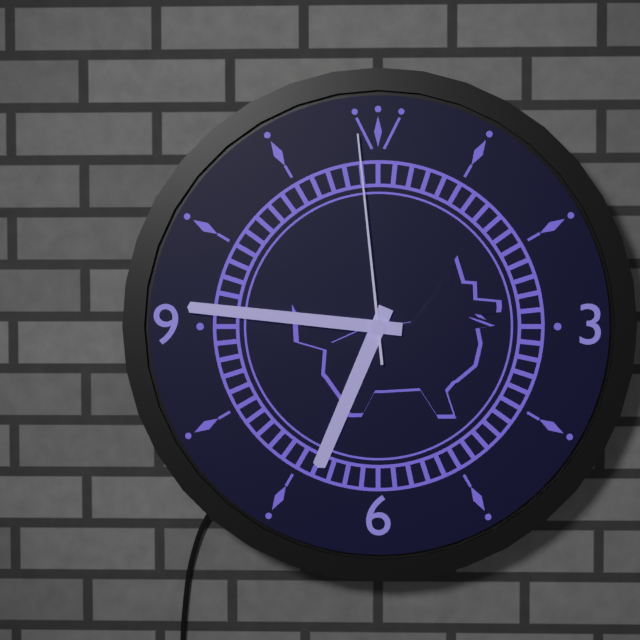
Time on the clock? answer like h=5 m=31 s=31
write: h=6 m=46 s=59
